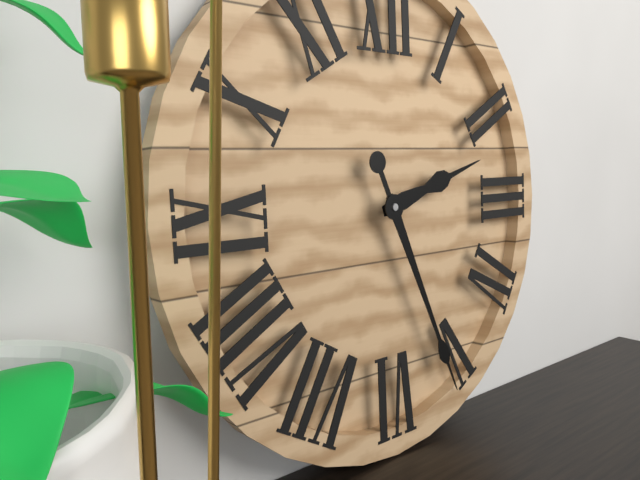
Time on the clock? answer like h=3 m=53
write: h=2 m=26
